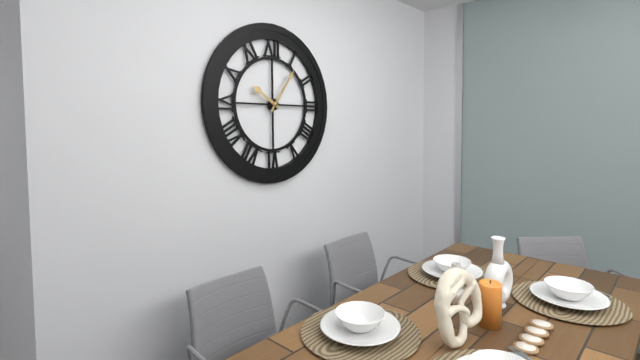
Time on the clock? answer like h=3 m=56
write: h=10 m=6
